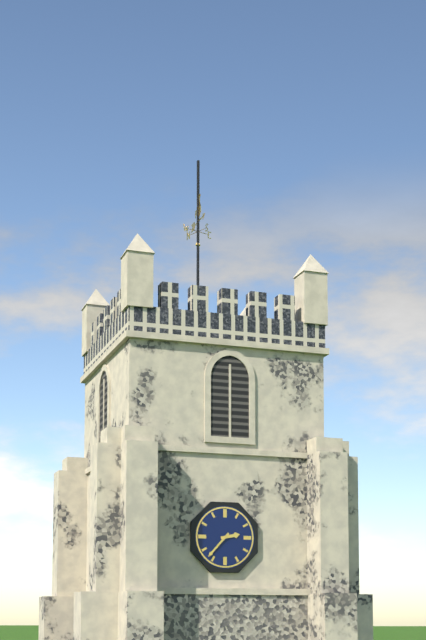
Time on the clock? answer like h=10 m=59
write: h=2 m=37
